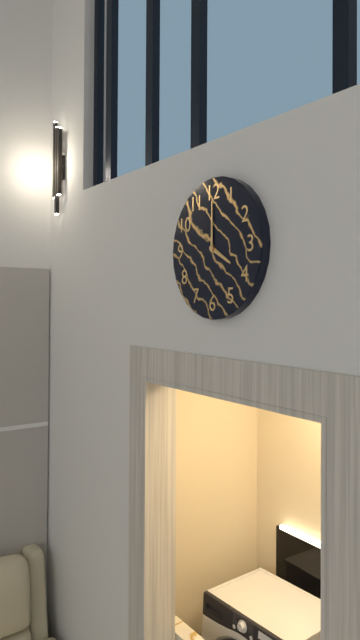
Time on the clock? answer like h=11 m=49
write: h=4 m=0
